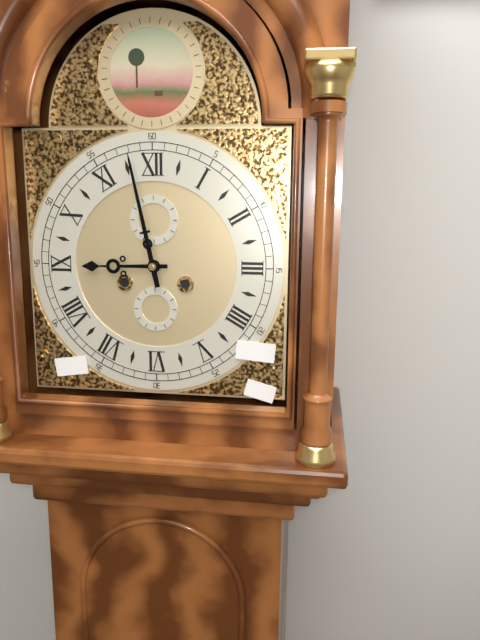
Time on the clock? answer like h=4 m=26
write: h=8 m=58
